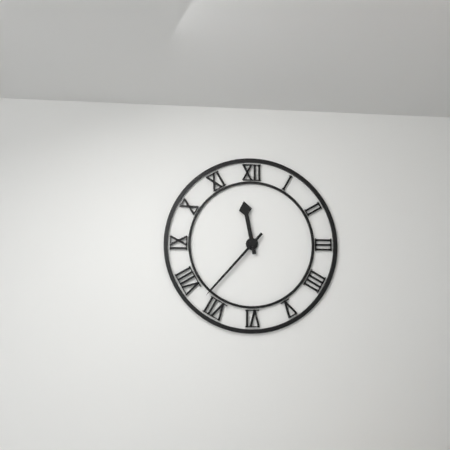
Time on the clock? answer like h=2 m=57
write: h=11 m=37
